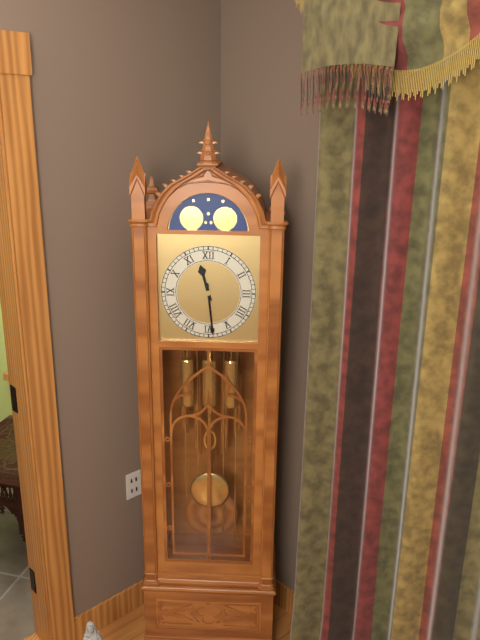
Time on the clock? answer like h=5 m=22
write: h=11 m=29
